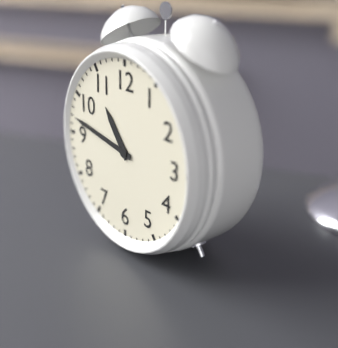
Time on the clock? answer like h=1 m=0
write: h=10 m=47
